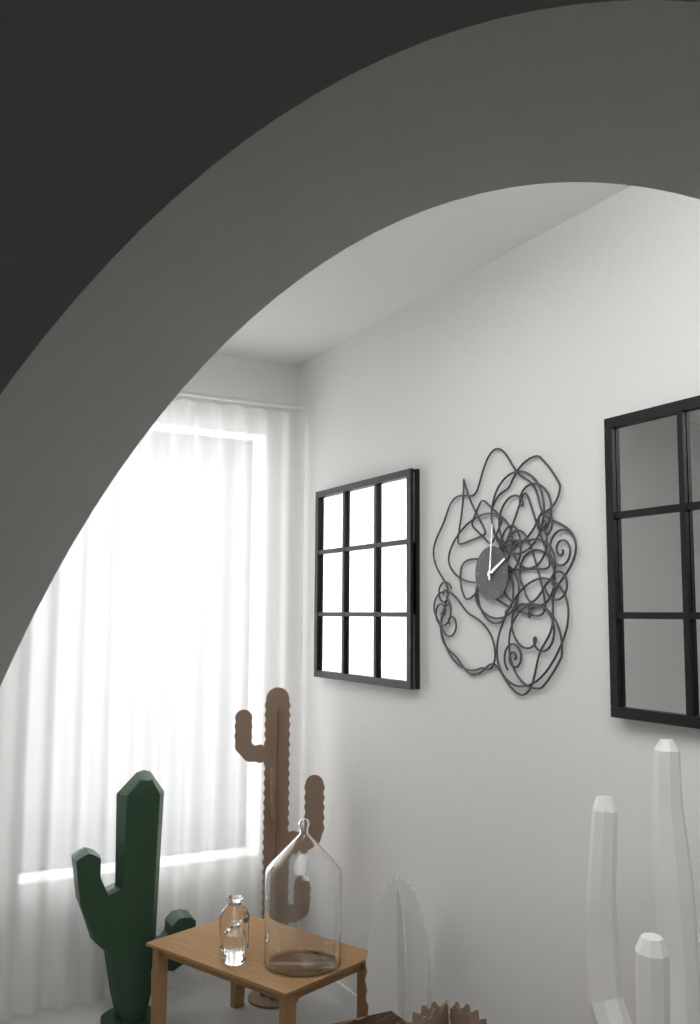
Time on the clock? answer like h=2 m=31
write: h=2 m=1
